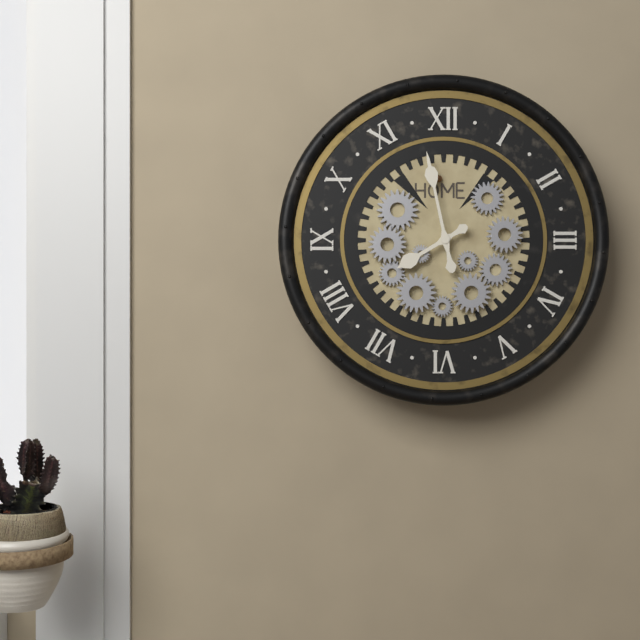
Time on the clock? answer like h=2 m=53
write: h=7 m=58
